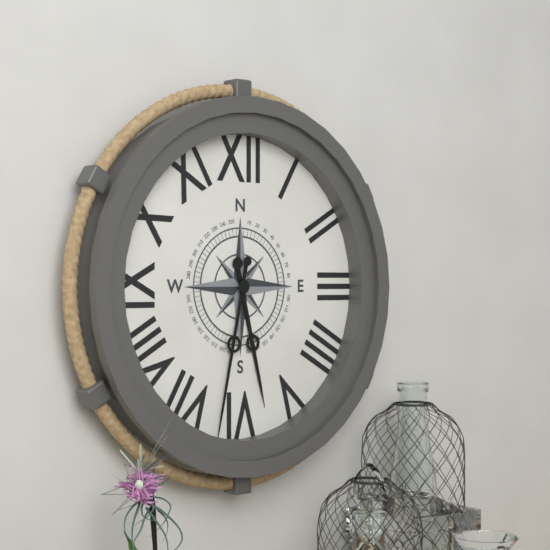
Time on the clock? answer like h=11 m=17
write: h=5 m=32
